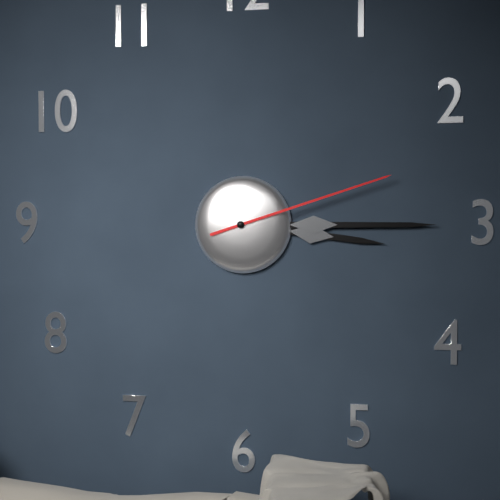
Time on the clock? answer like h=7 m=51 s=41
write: h=3 m=15 s=12
